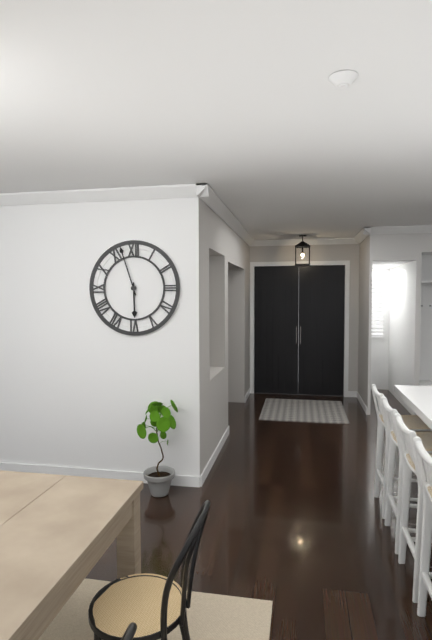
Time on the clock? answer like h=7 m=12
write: h=5 m=57
